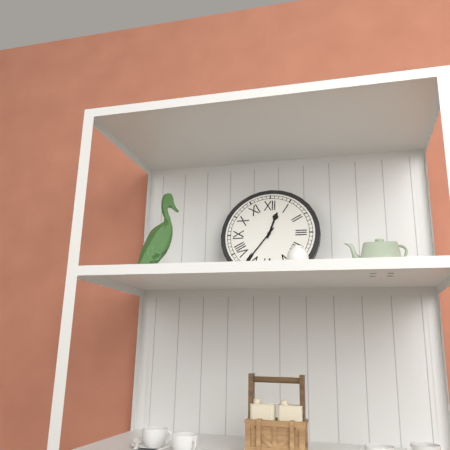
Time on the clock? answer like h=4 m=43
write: h=12 m=36
